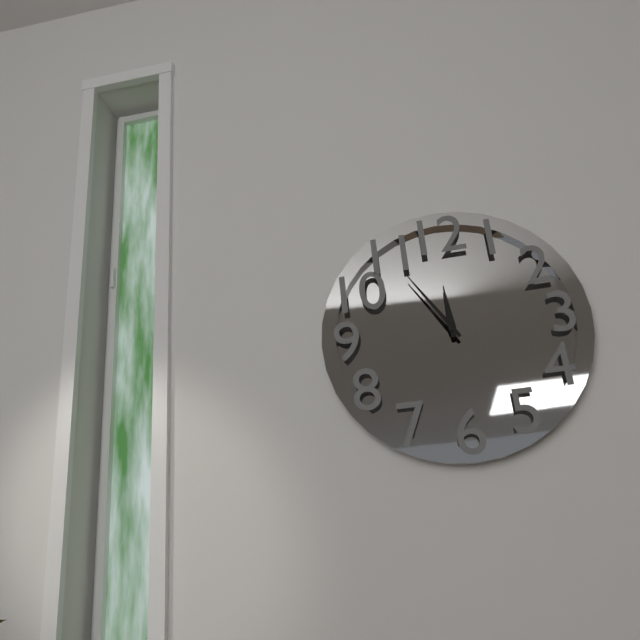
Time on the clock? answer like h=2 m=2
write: h=11 m=55
